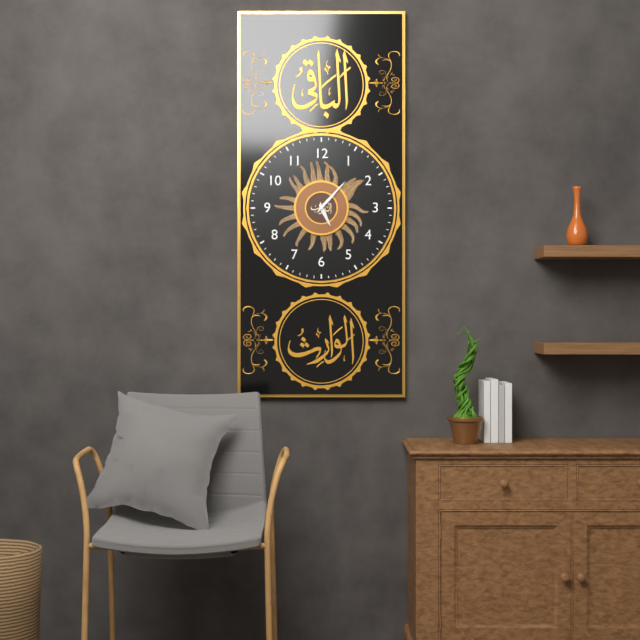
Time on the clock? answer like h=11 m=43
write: h=5 m=7
